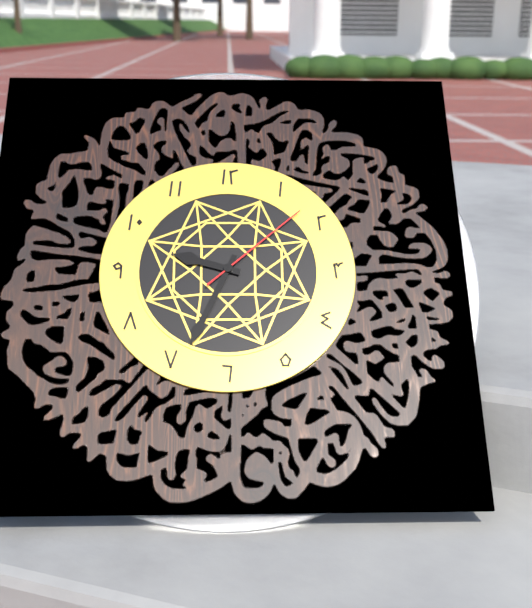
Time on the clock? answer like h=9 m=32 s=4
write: h=9 m=34 s=8
